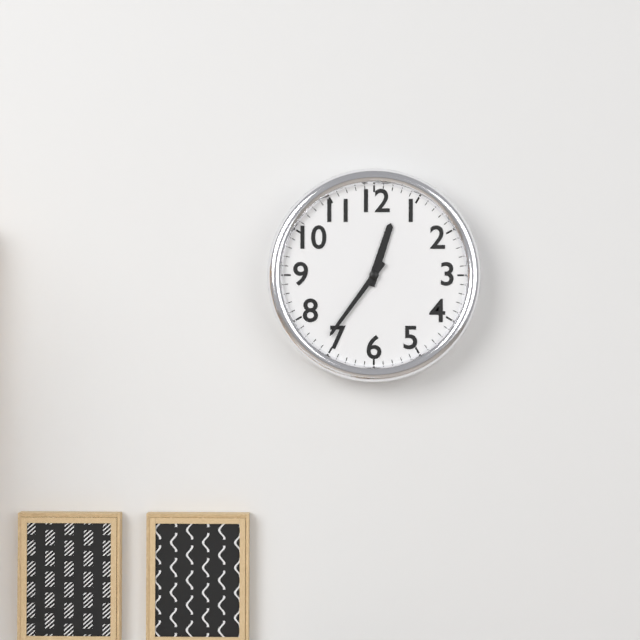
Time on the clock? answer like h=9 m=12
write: h=12 m=36
